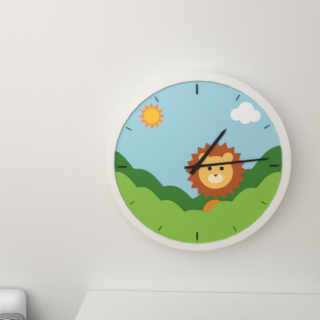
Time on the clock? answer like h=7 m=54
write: h=1 m=14
